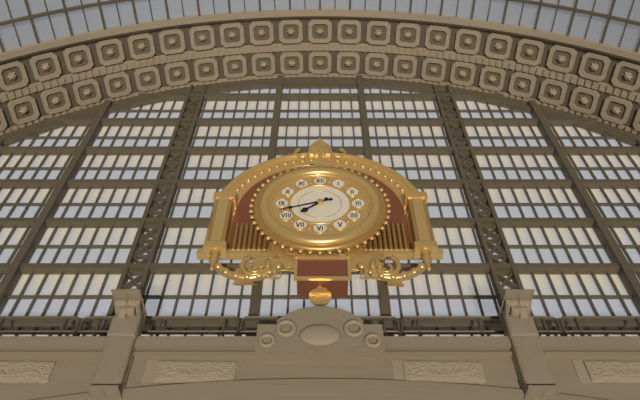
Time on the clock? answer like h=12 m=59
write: h=7 m=42
